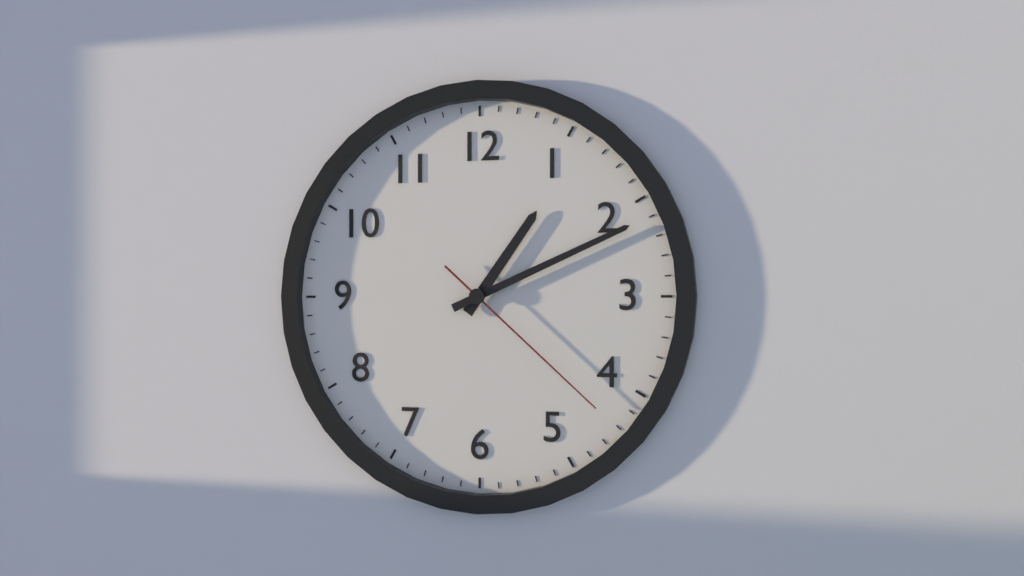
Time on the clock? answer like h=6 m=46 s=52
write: h=1 m=11 s=22
